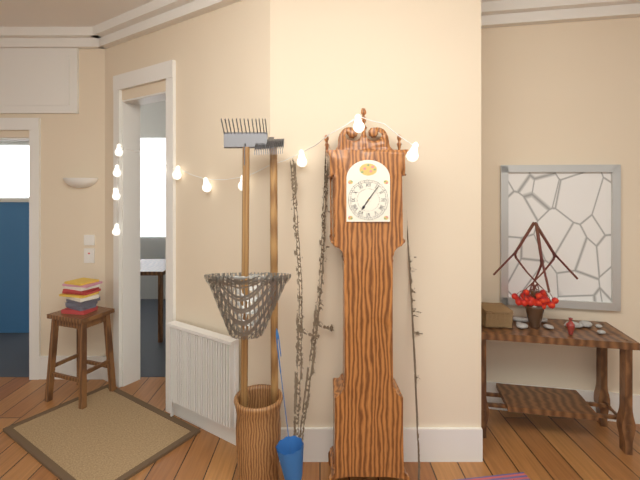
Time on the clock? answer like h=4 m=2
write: h=7 m=6
